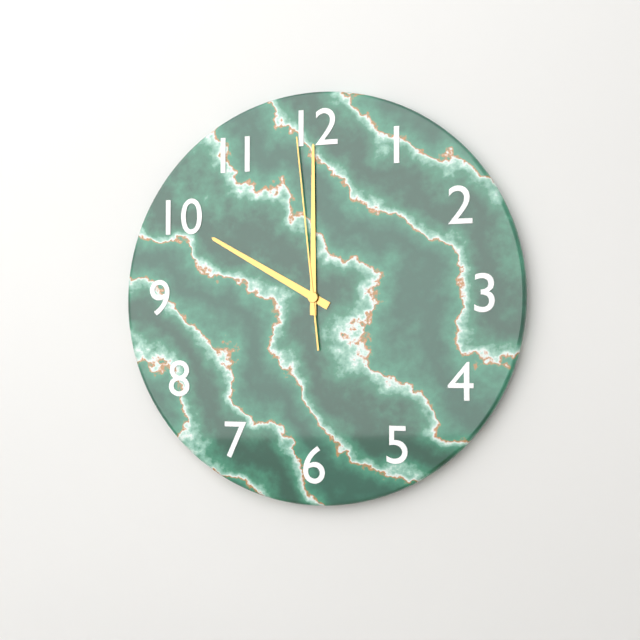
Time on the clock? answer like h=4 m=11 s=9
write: h=10 m=0 s=59
